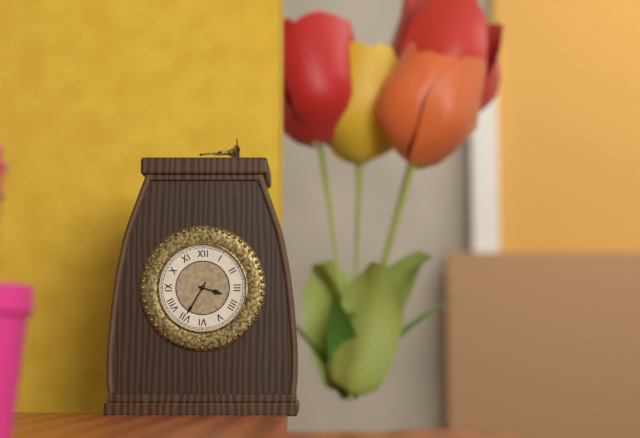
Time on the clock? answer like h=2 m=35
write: h=3 m=35
